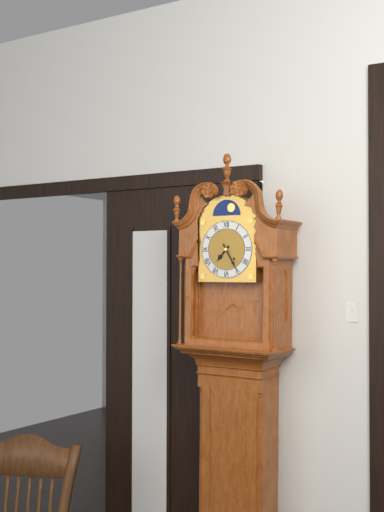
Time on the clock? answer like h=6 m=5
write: h=7 m=25
